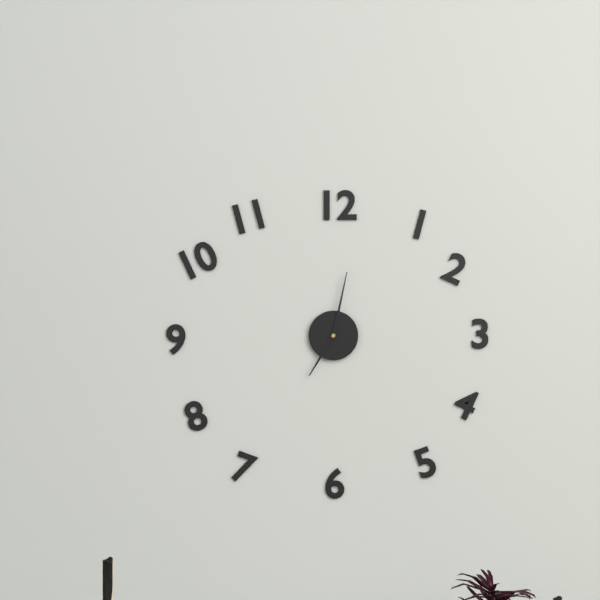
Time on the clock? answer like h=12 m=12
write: h=7 m=2
